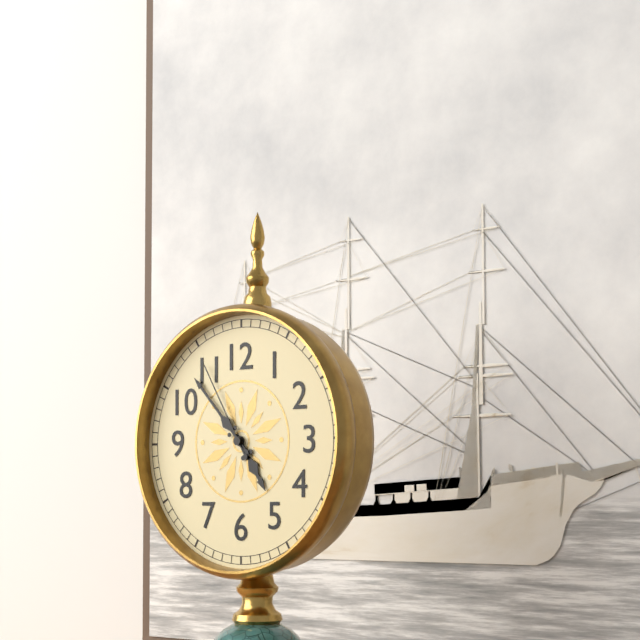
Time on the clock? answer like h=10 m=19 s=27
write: h=4 m=53 s=55
